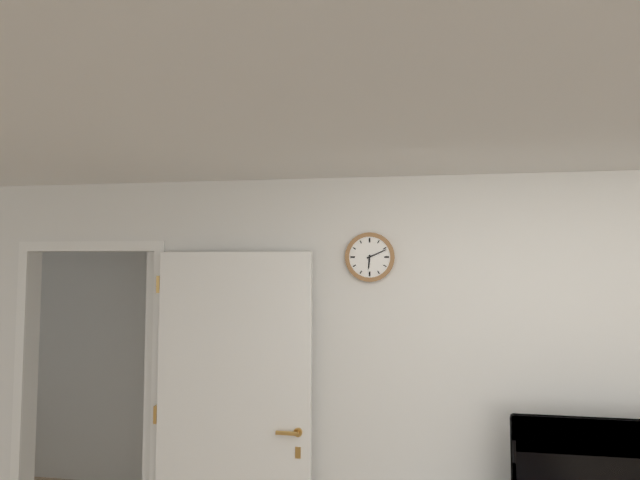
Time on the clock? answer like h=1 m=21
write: h=6 m=11
